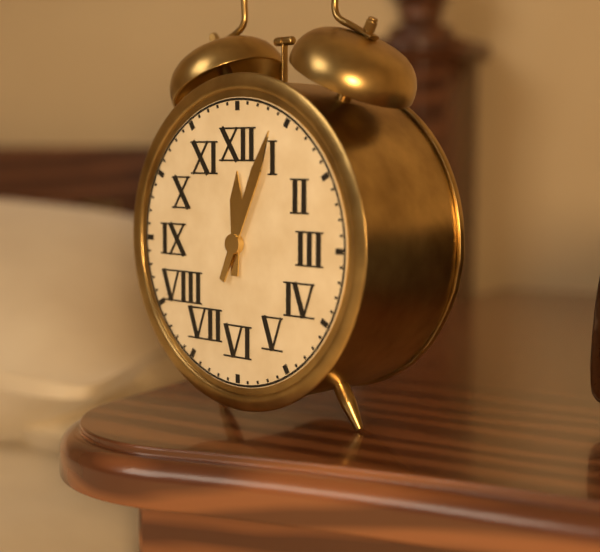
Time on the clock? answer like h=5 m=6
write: h=12 m=4
